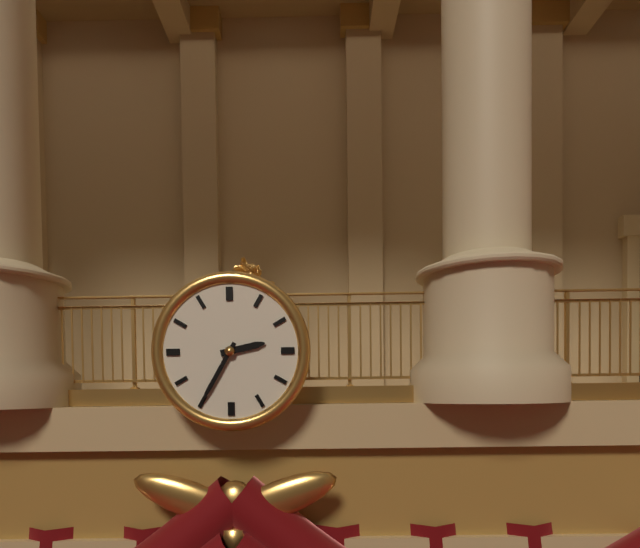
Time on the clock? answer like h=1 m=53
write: h=2 m=35
